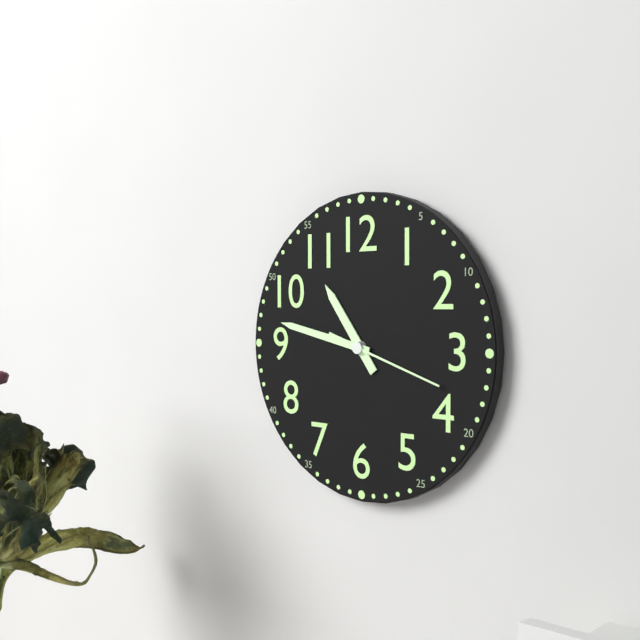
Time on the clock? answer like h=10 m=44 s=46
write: h=10 m=47 s=18
